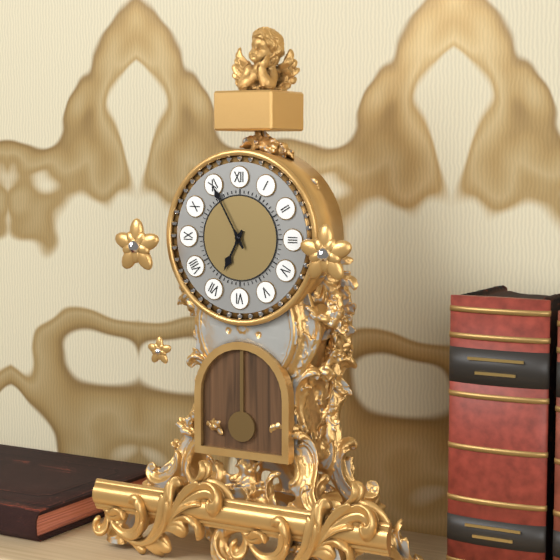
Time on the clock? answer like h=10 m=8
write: h=6 m=55
